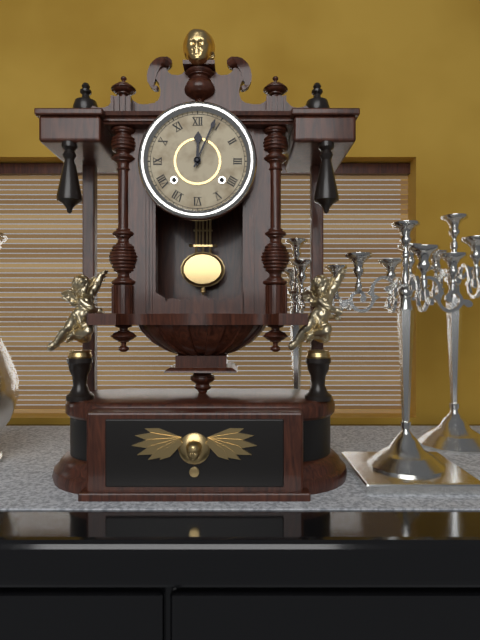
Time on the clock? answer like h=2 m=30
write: h=12 m=4
